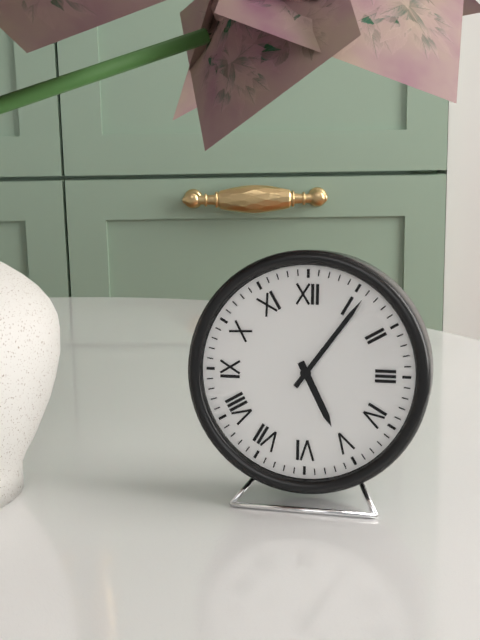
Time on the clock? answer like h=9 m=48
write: h=5 m=6
